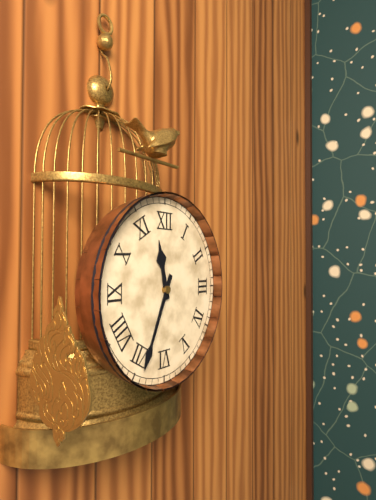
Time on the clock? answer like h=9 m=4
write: h=11 m=34
